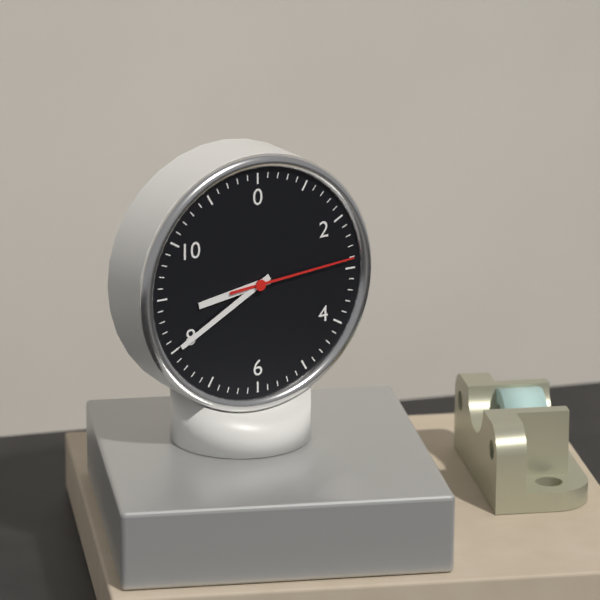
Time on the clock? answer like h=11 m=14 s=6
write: h=8 m=40 s=14
